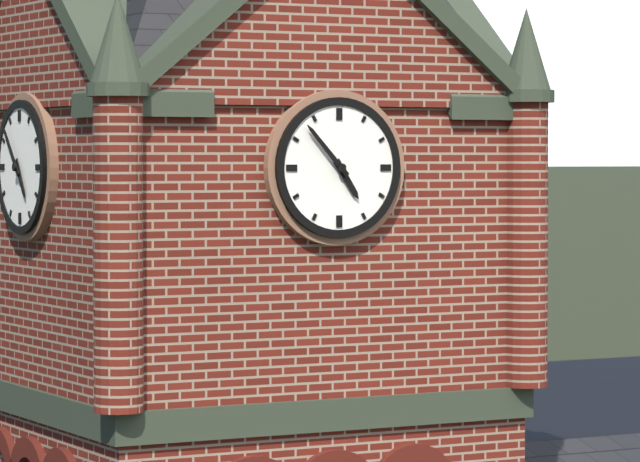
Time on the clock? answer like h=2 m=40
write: h=4 m=53
